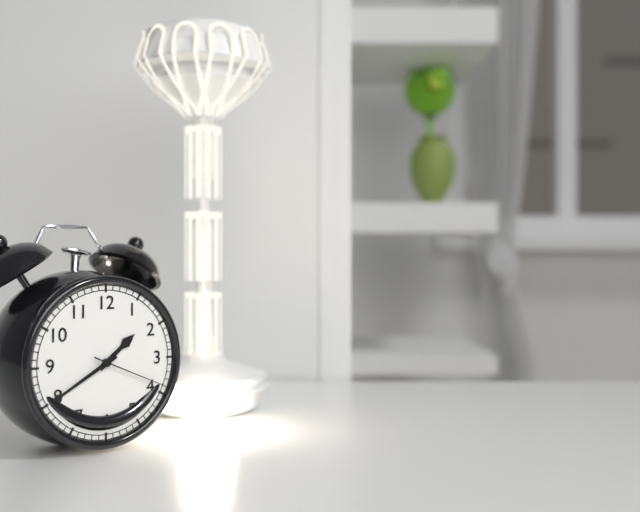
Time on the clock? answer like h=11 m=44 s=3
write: h=1 m=40 s=19
